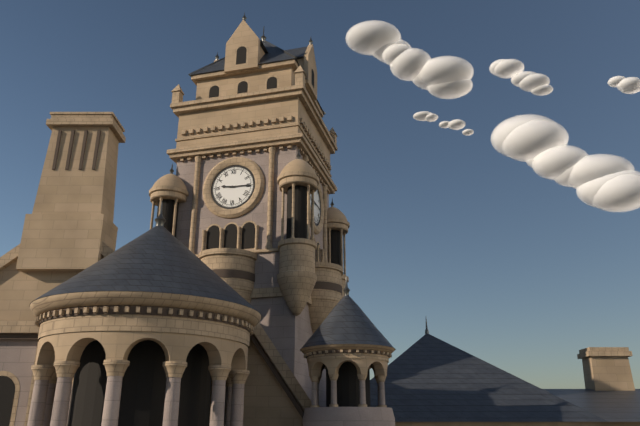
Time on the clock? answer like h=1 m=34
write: h=9 m=15
